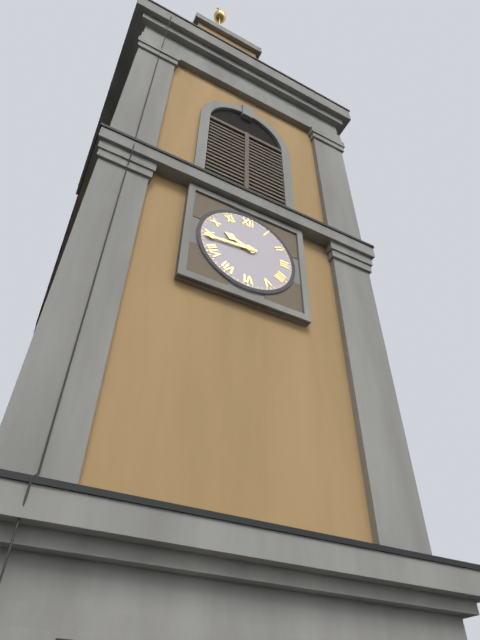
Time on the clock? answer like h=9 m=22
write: h=9 m=44
